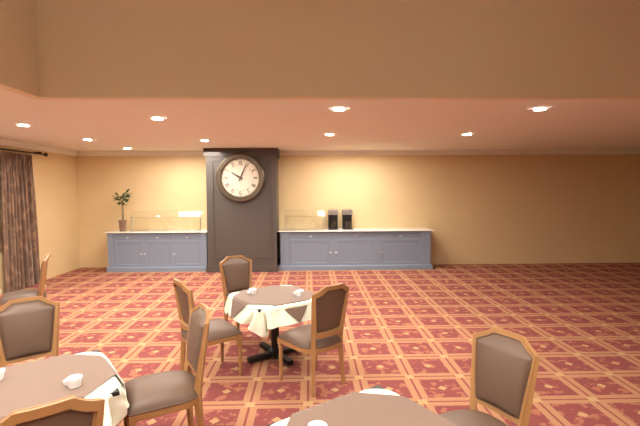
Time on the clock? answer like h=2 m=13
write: h=10 m=4
